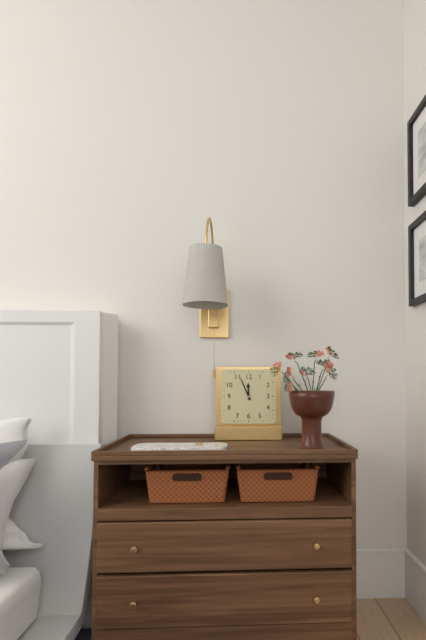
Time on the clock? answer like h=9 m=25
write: h=11 m=56
